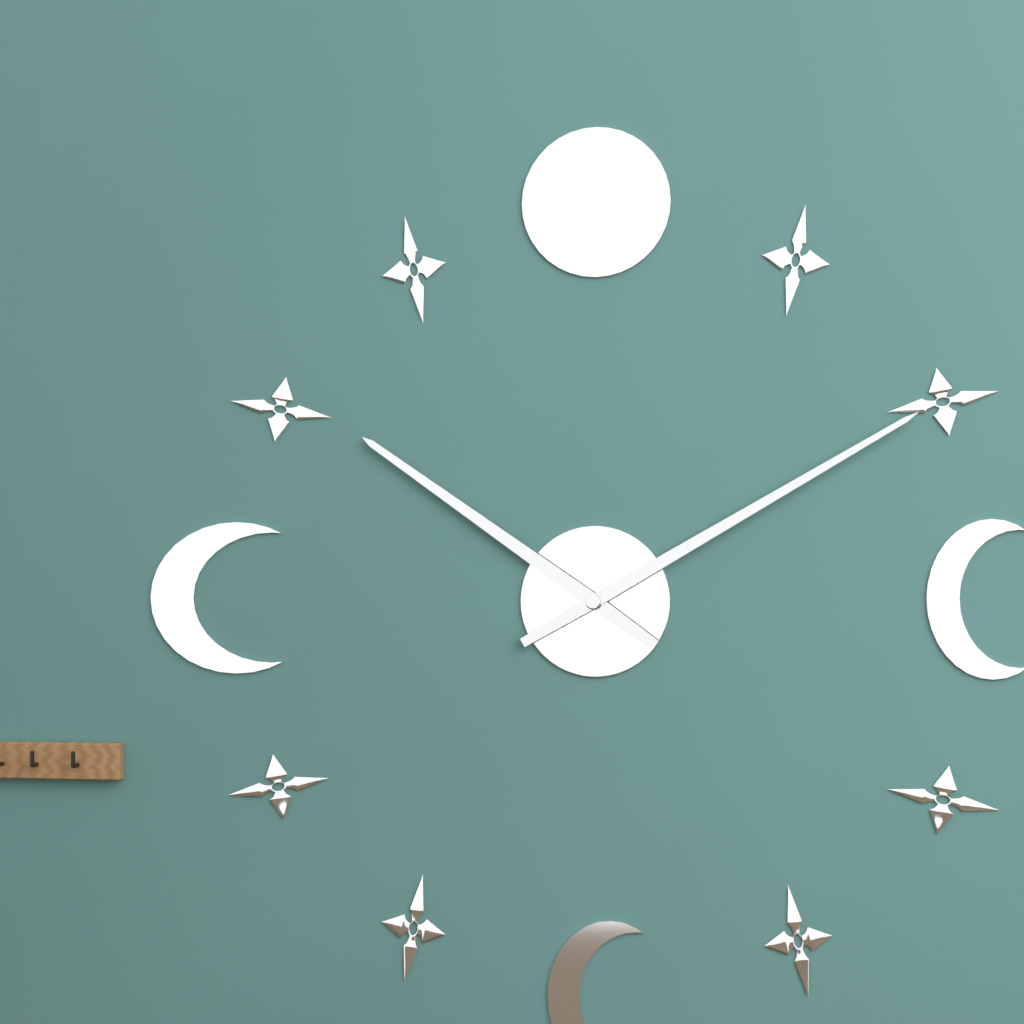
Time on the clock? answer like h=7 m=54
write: h=10 m=10
